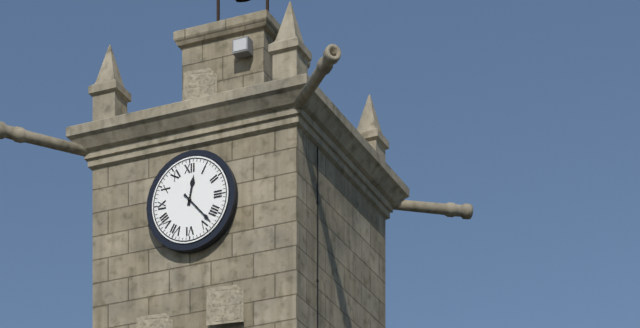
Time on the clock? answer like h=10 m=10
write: h=12 m=23
